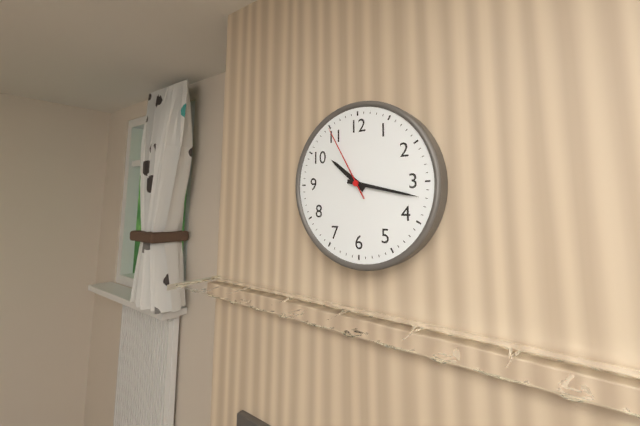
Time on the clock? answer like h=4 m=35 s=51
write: h=10 m=17 s=55
